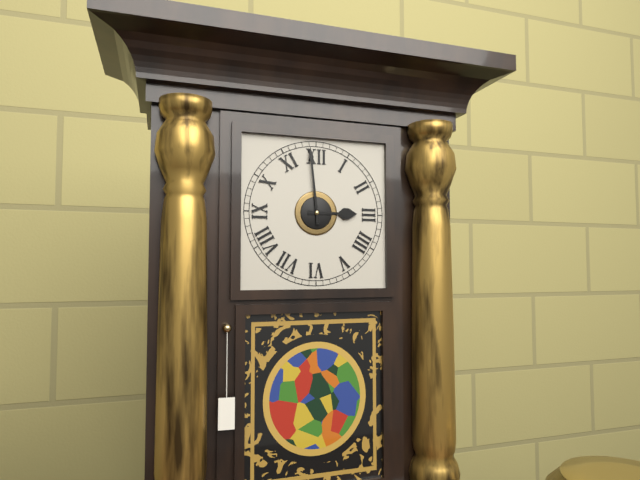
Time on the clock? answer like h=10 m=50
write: h=2 m=59
